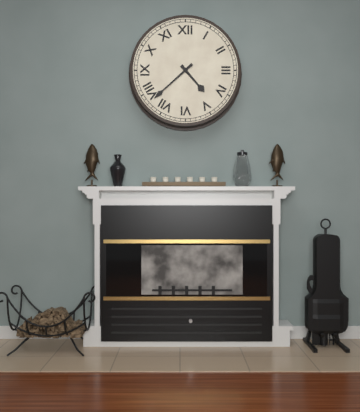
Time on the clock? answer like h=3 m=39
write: h=4 m=38
